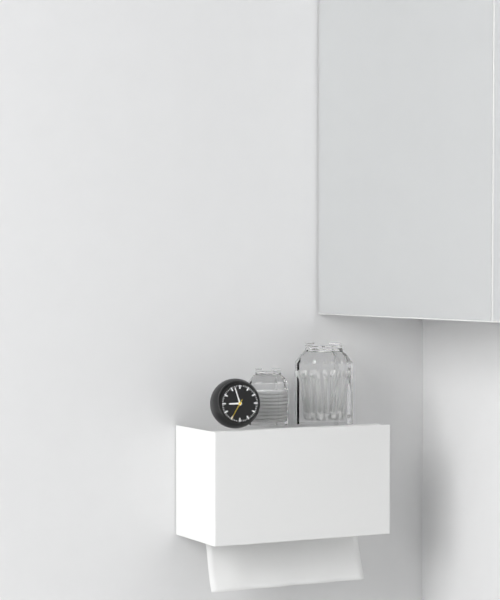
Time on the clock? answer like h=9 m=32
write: h=8 m=57
